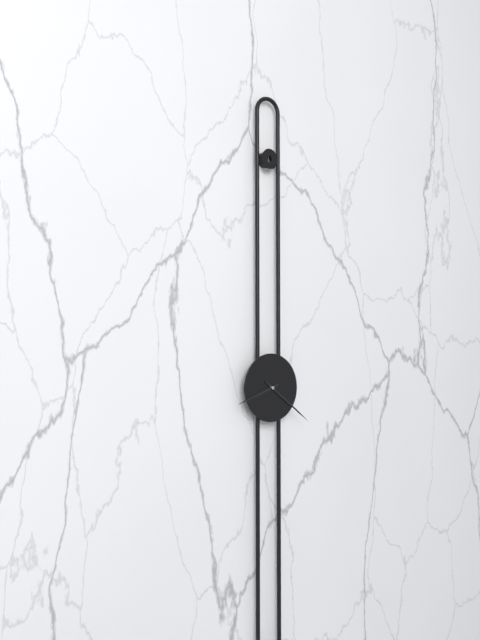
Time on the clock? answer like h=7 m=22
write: h=8 m=21
